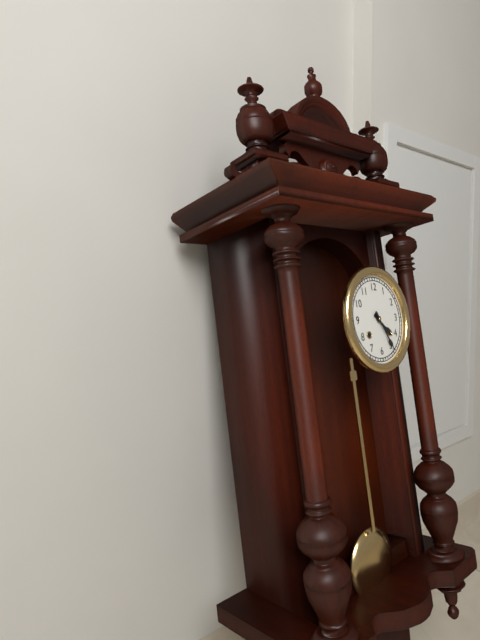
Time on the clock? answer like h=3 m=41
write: h=4 m=25
